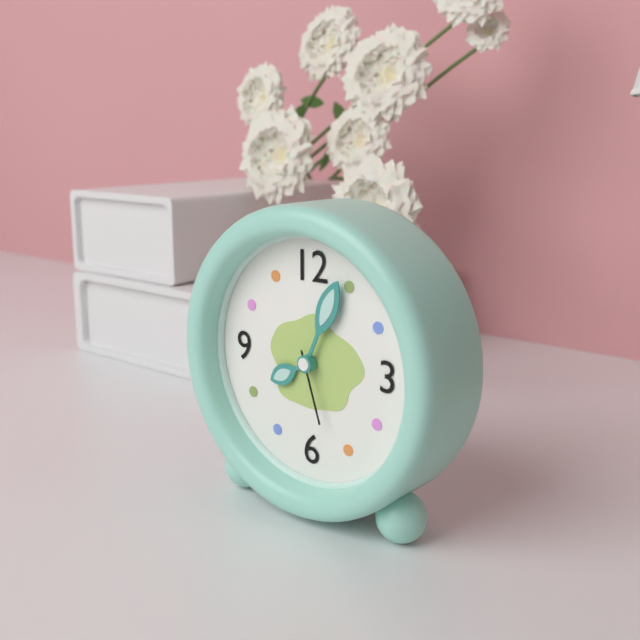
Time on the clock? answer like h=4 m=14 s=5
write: h=8 m=4 s=27
